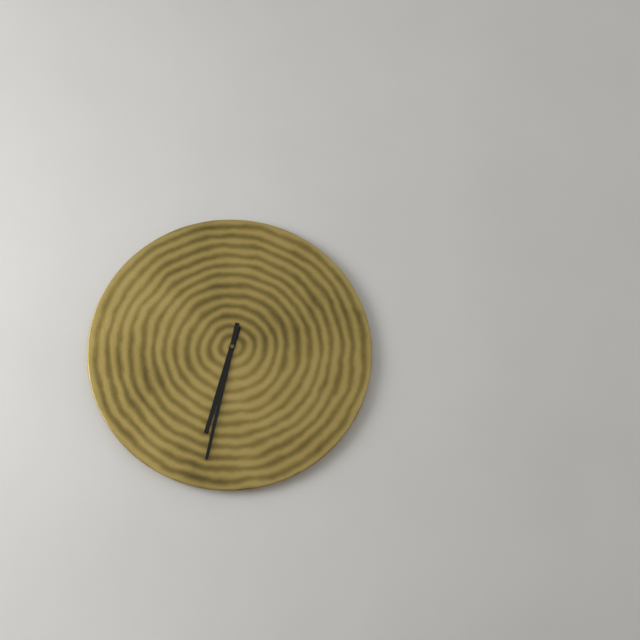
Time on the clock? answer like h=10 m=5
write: h=6 m=32
